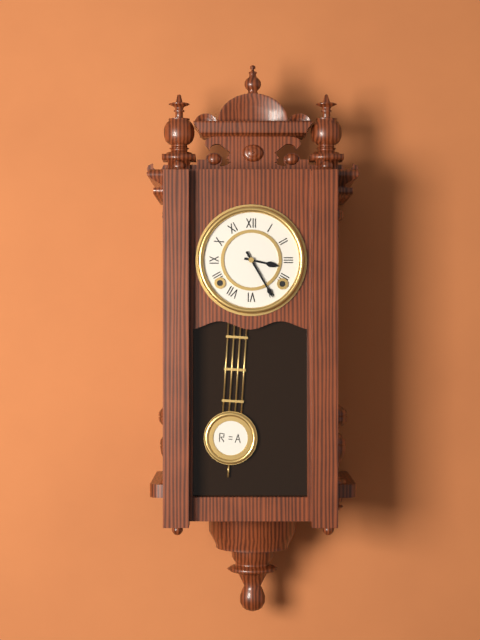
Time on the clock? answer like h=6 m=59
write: h=3 m=25
